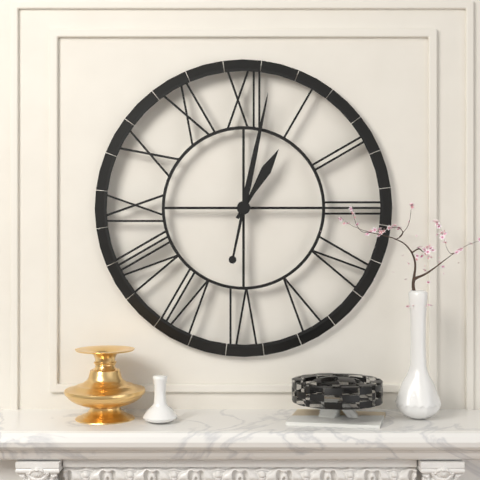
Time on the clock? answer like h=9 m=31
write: h=1 m=2
